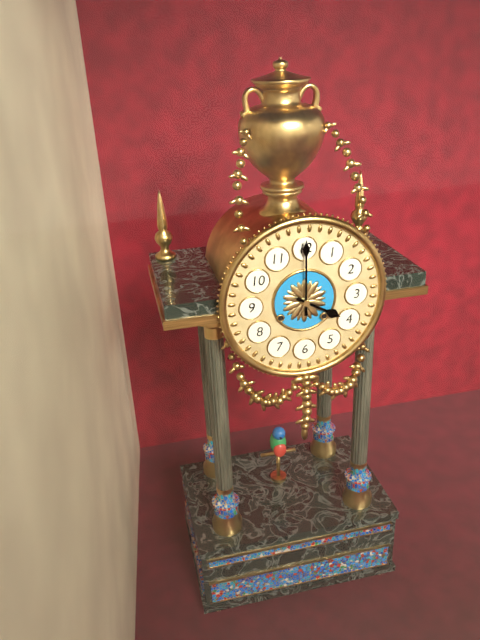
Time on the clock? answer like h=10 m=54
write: h=4 m=0
